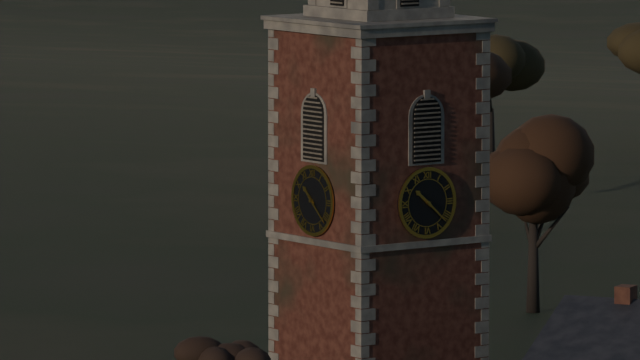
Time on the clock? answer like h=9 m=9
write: h=10 m=22
